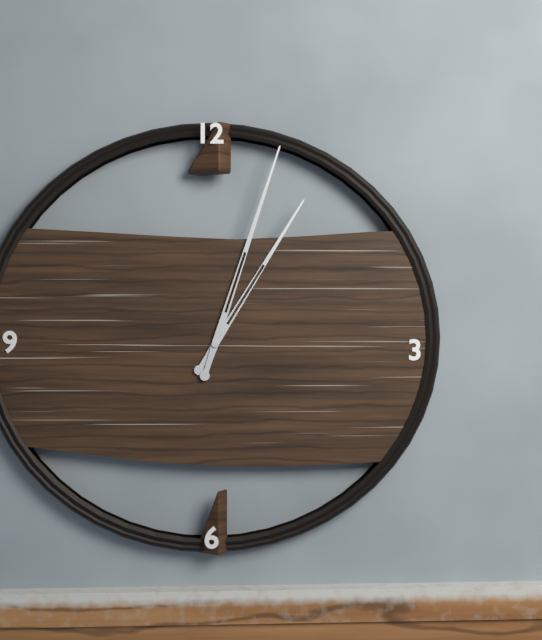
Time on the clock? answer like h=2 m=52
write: h=1 m=3
